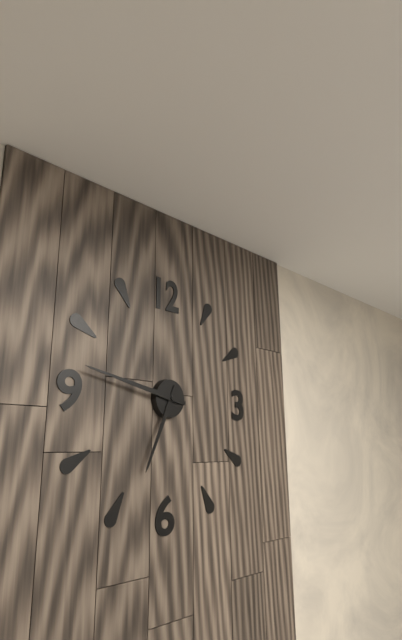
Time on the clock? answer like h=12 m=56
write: h=6 m=47
